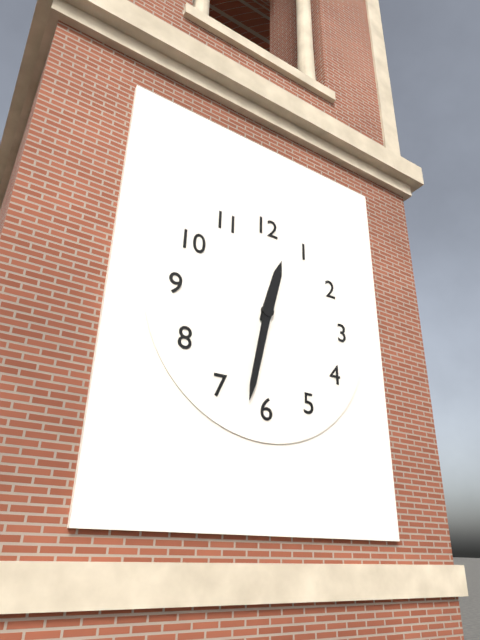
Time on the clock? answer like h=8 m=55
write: h=12 m=32
